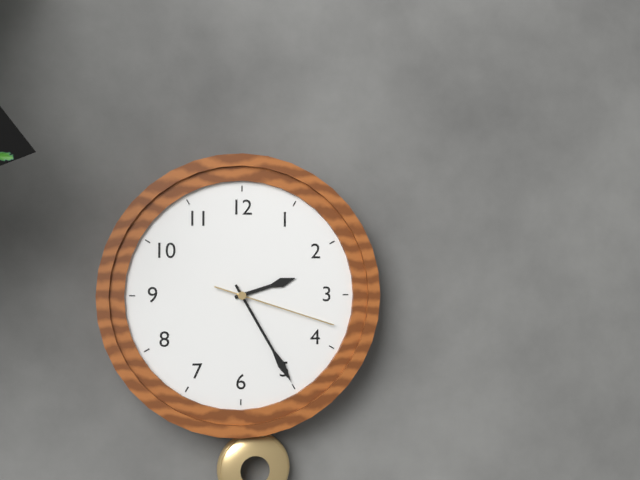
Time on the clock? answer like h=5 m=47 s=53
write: h=2 m=25 s=18
